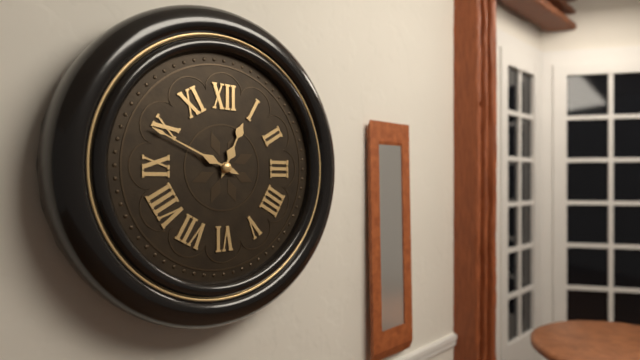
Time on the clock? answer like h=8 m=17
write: h=12 m=49
